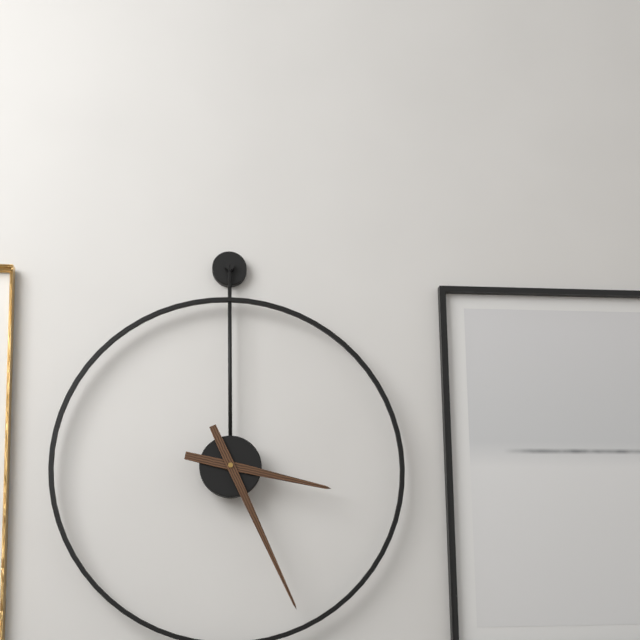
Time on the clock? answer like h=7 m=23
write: h=3 m=26
